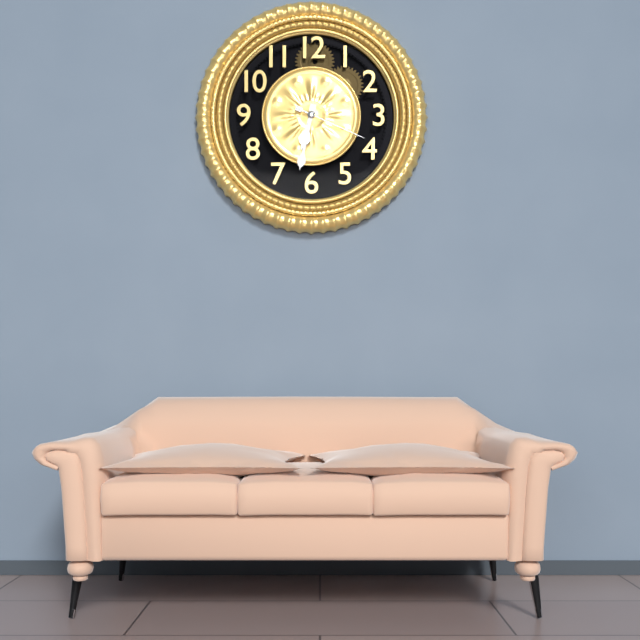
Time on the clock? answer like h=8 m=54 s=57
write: h=6 m=32 s=19
